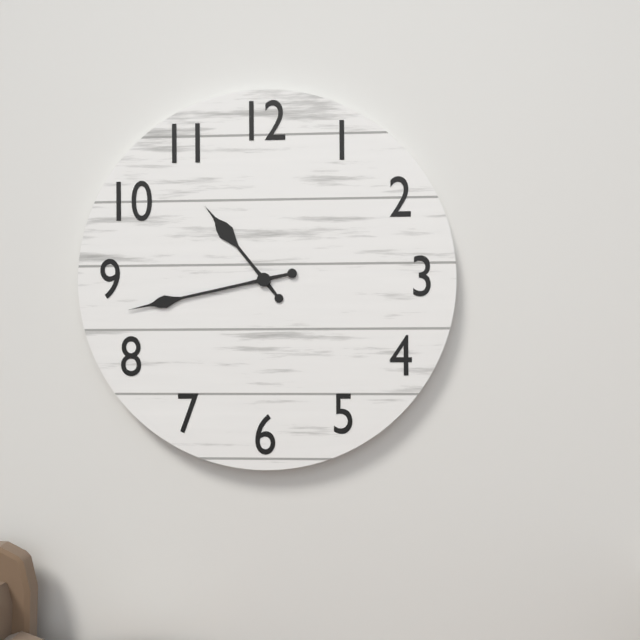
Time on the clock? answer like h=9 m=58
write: h=10 m=43
